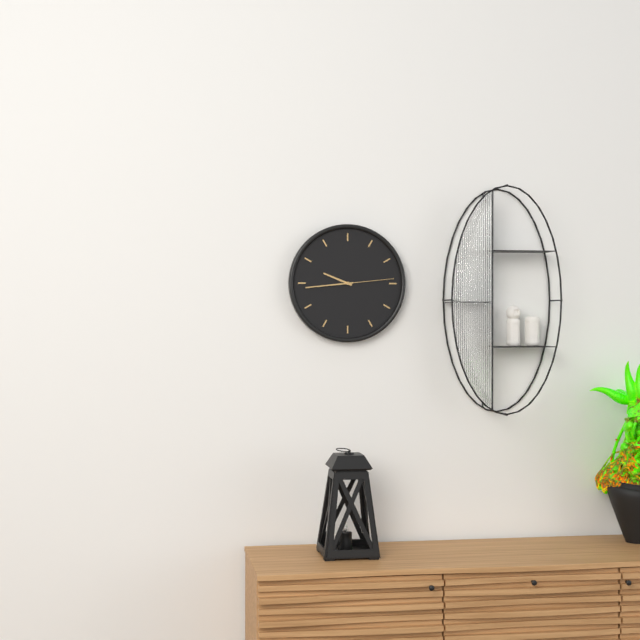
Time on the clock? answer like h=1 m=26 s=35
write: h=9 m=44 s=14
